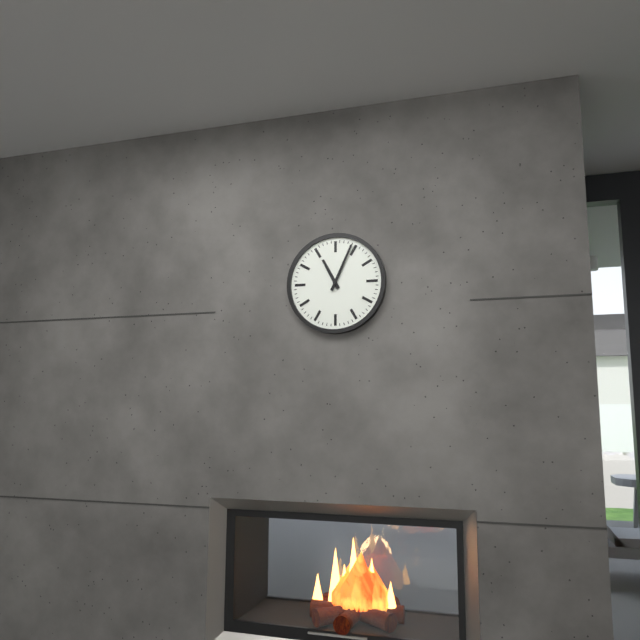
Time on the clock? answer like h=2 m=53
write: h=11 m=4
